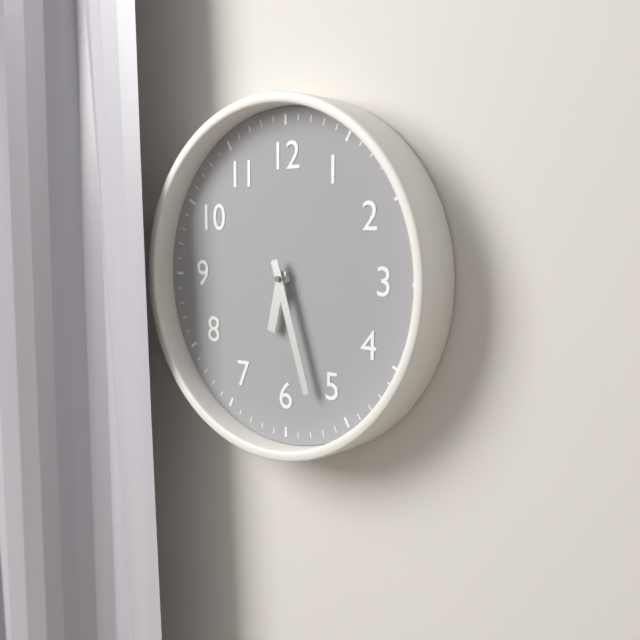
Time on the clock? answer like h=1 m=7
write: h=6 m=27
